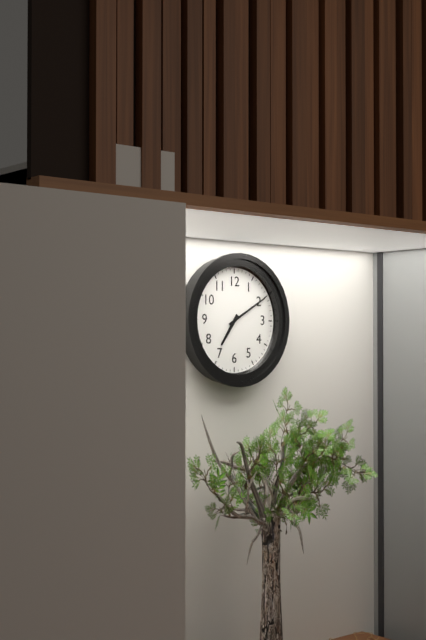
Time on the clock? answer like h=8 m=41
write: h=7 m=10
